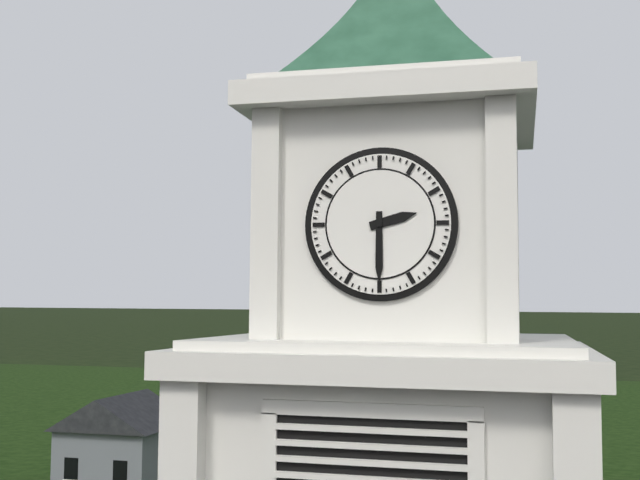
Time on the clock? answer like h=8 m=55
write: h=2 m=30
